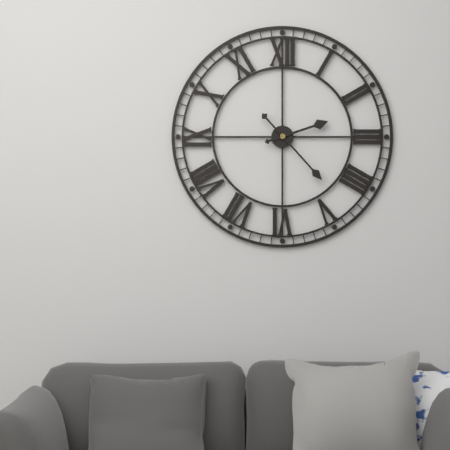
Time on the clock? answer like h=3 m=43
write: h=2 m=23
